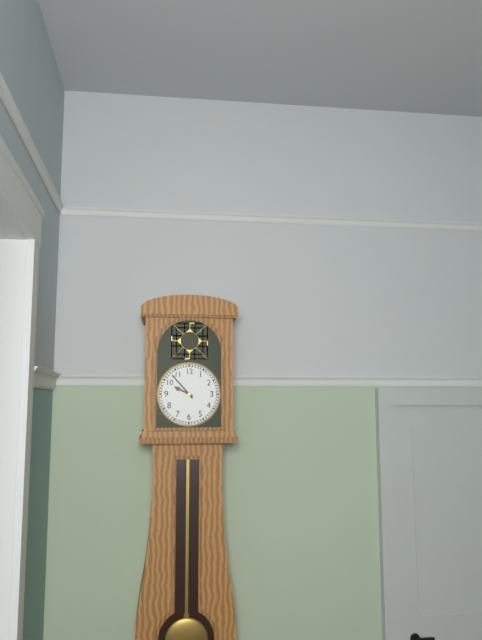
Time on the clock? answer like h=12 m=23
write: h=9 m=53
